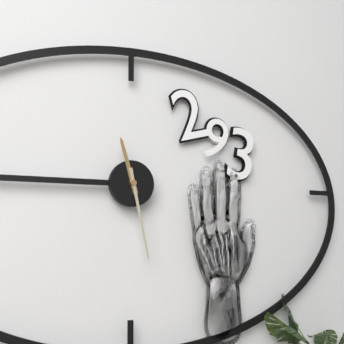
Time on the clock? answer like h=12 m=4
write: h=11 m=28
